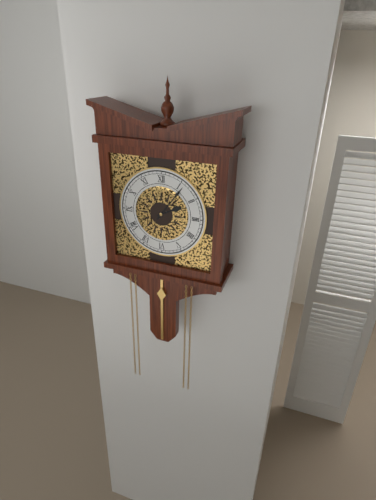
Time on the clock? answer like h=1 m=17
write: h=2 m=6
